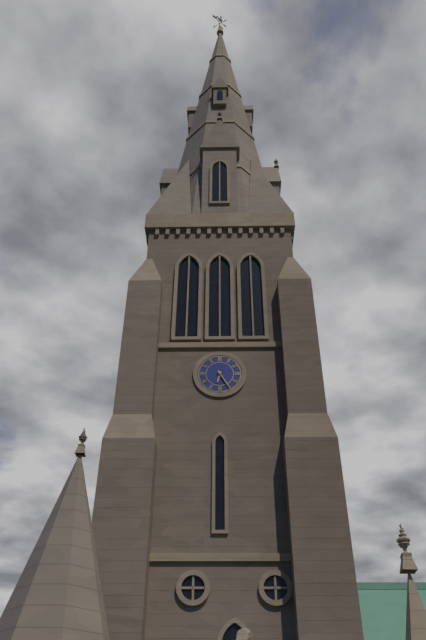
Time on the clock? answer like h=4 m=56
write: h=6 m=25
